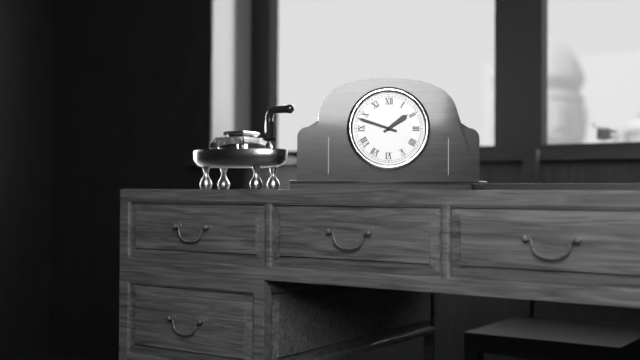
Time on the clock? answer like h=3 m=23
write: h=1 m=48
